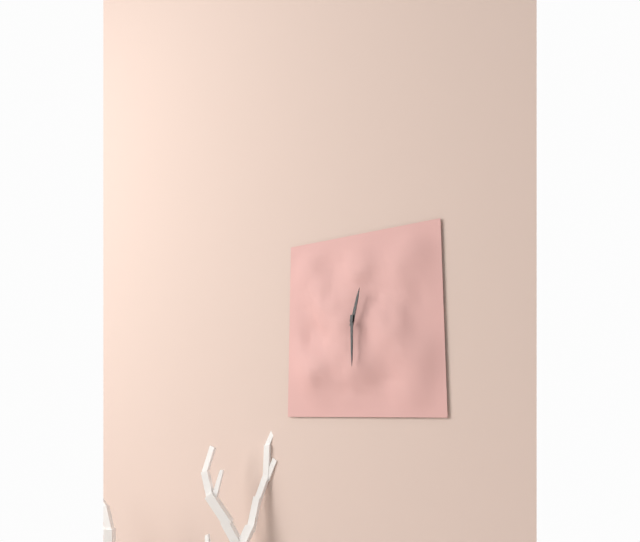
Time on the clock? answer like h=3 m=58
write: h=12 m=30
